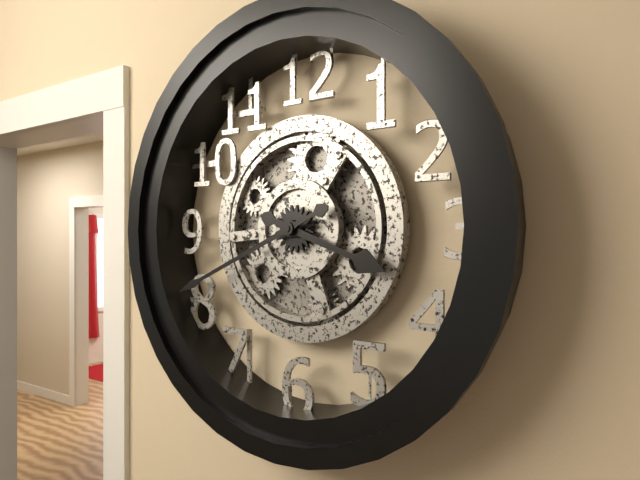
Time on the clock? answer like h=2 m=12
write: h=3 m=41
